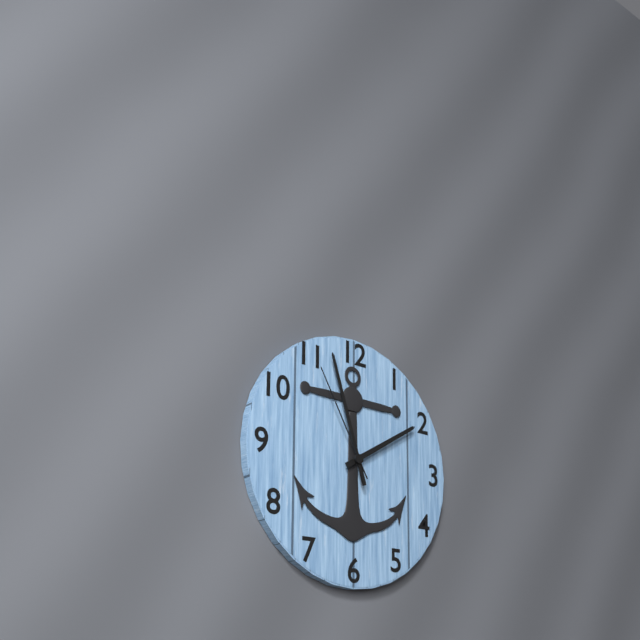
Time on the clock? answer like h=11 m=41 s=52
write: h=1 m=57 s=55
